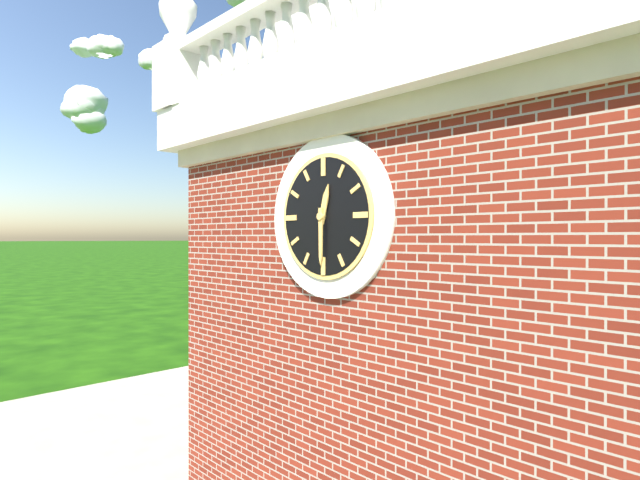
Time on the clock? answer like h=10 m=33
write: h=12 m=30
